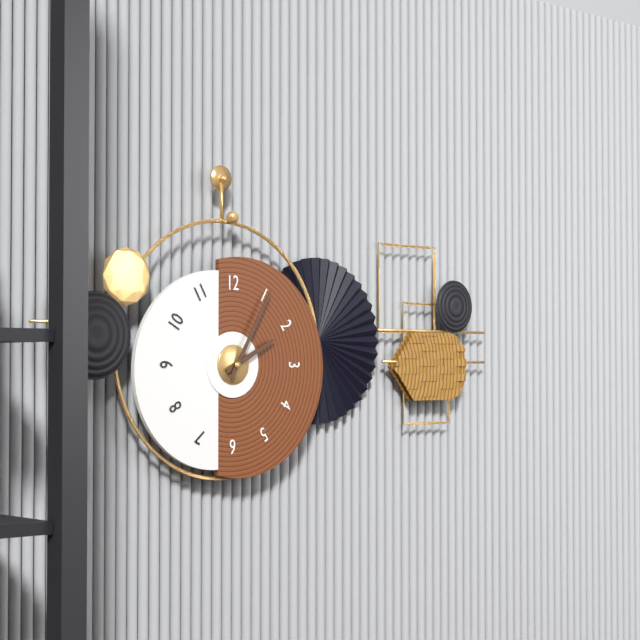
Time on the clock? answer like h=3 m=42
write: h=2 m=5
